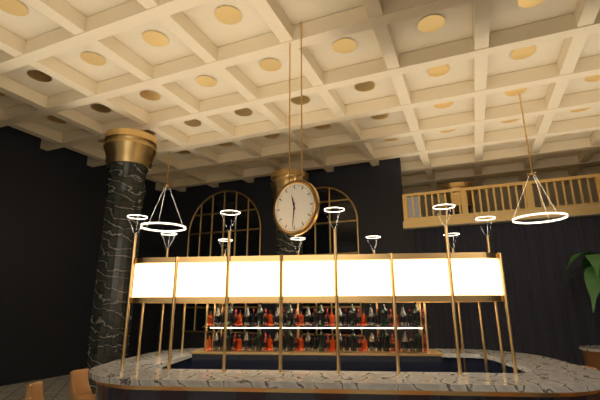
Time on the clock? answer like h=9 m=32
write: h=11 m=31
